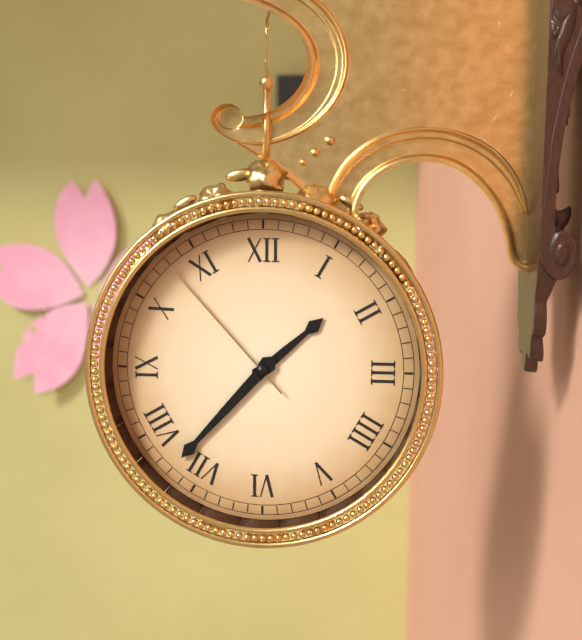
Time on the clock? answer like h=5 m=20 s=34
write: h=1 m=37 s=53
